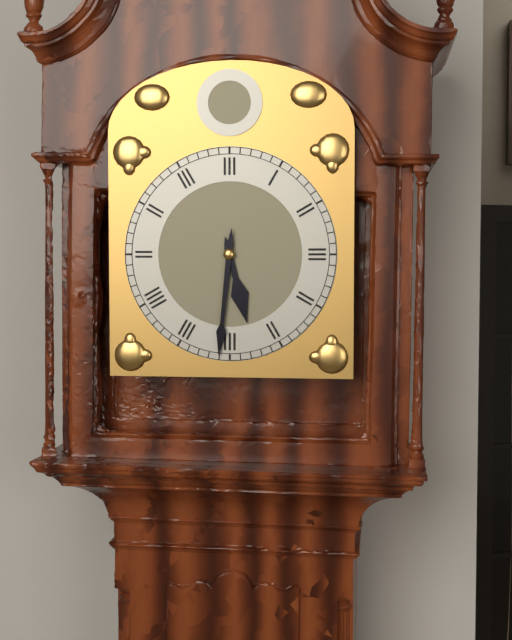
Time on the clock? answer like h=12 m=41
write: h=5 m=31
